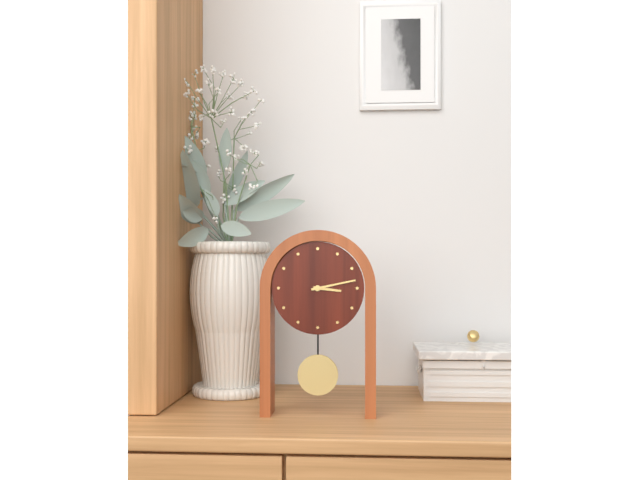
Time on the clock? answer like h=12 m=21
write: h=3 m=13
